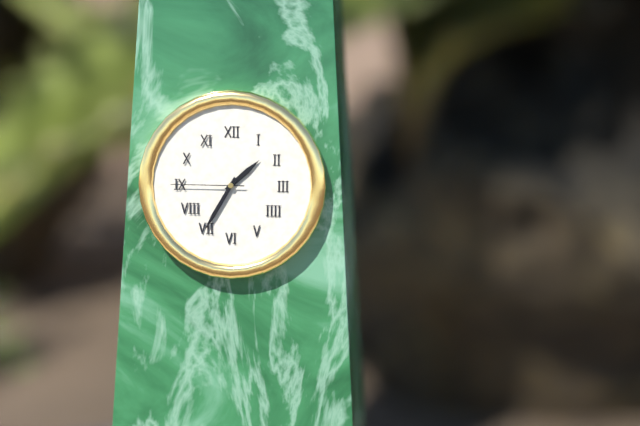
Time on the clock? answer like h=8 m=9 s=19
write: h=1 m=35 s=45
